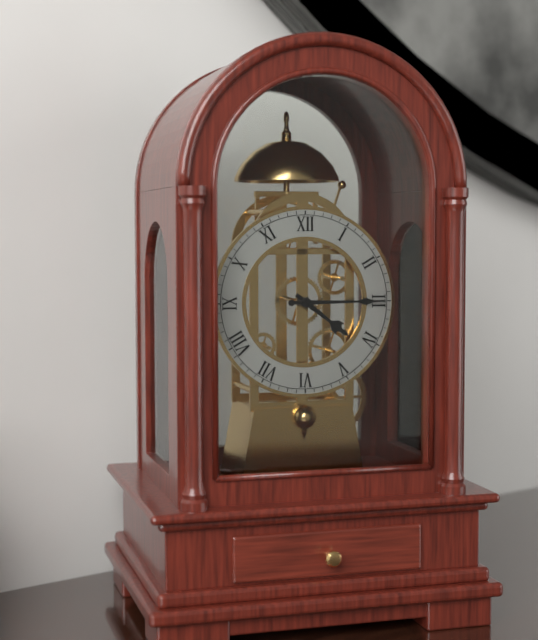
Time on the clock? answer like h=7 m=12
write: h=4 m=15
